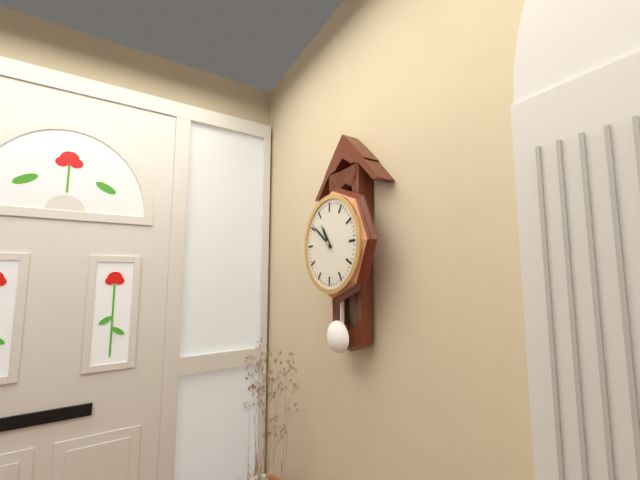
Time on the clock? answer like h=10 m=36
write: h=10 m=51
